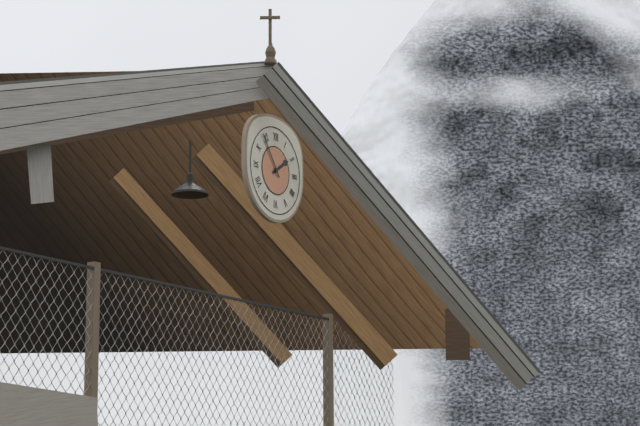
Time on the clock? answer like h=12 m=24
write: h=1 m=54
